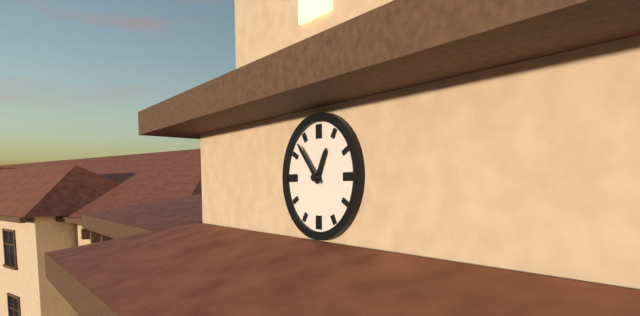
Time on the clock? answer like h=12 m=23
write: h=12 m=53
